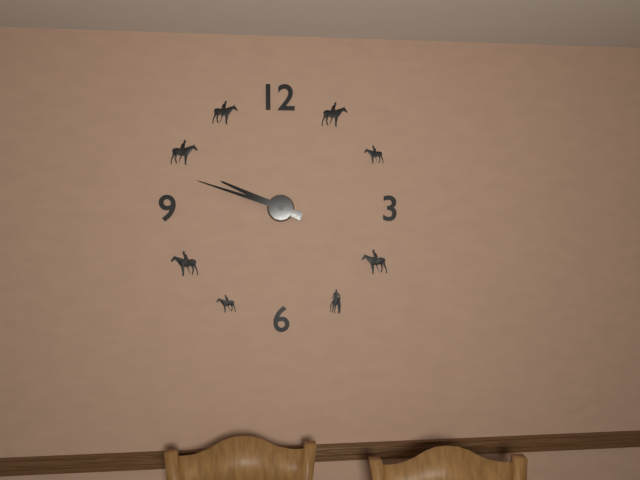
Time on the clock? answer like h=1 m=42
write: h=9 m=48
